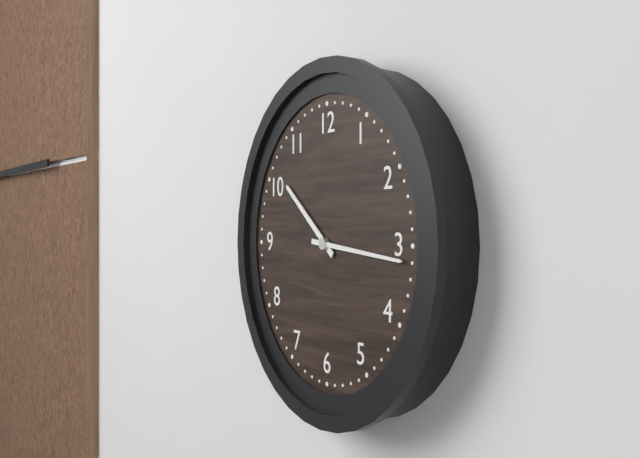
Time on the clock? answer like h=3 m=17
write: h=10 m=16
